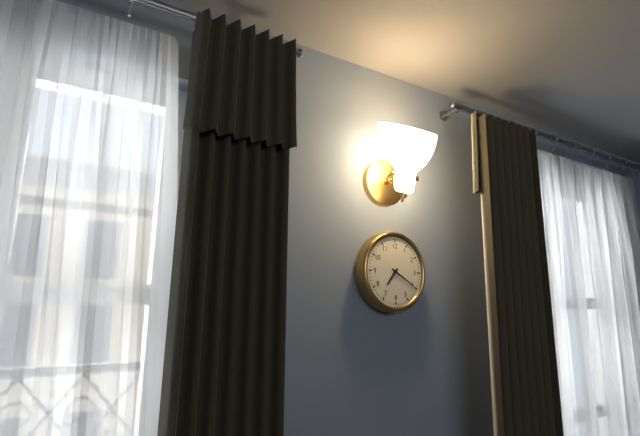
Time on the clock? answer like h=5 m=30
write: h=7 m=20
